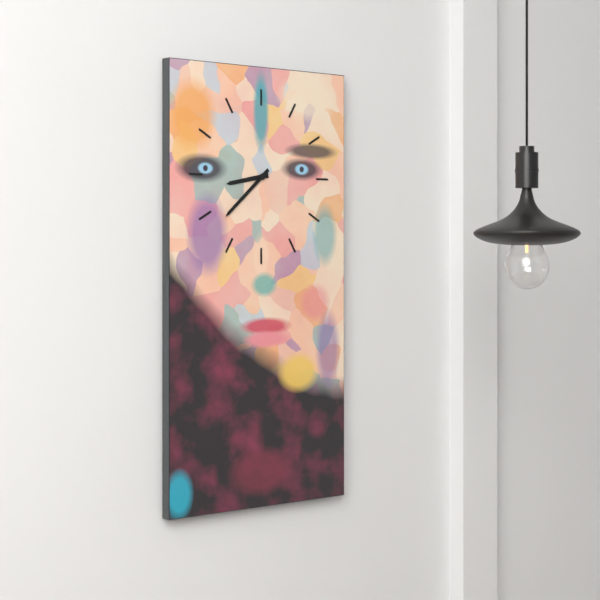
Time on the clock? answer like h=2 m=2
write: h=8 m=38
